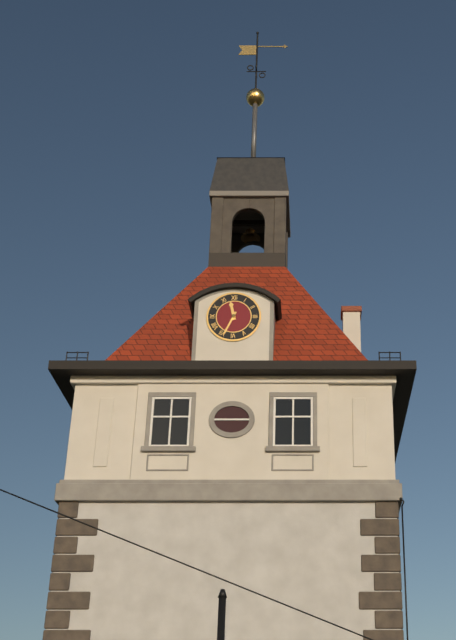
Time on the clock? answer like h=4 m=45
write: h=11 m=34
